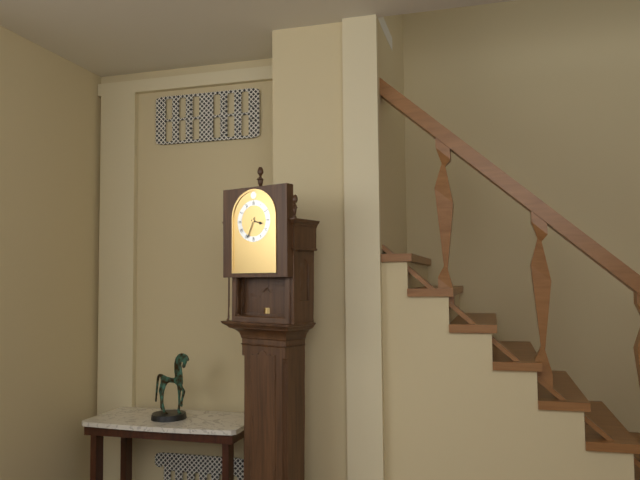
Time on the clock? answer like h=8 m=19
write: h=3 m=34
